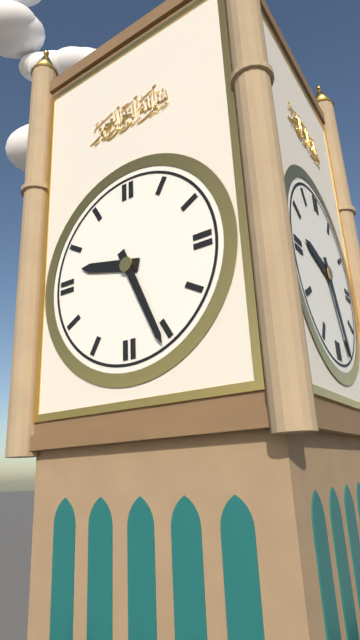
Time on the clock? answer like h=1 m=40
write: h=9 m=26
